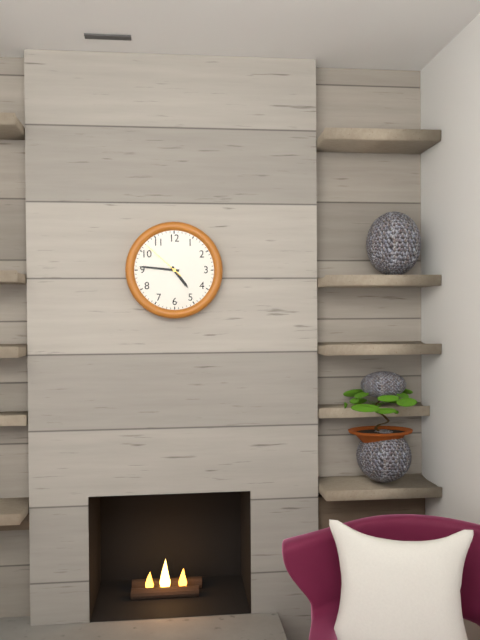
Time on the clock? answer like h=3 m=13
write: h=4 m=46
